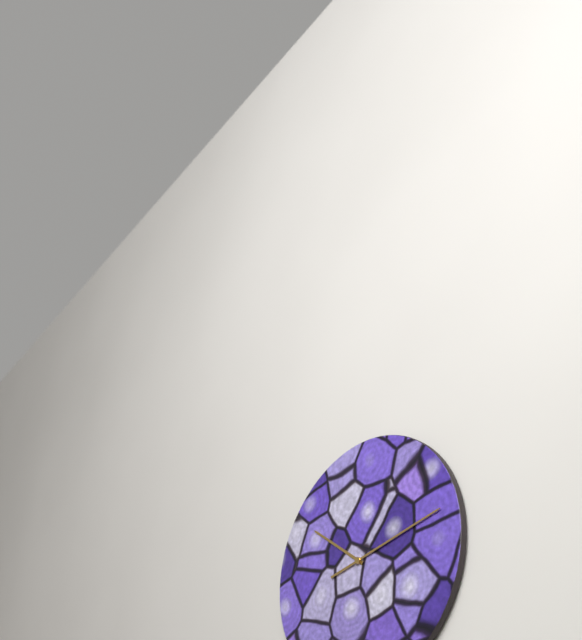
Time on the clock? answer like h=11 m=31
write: h=10 m=13
